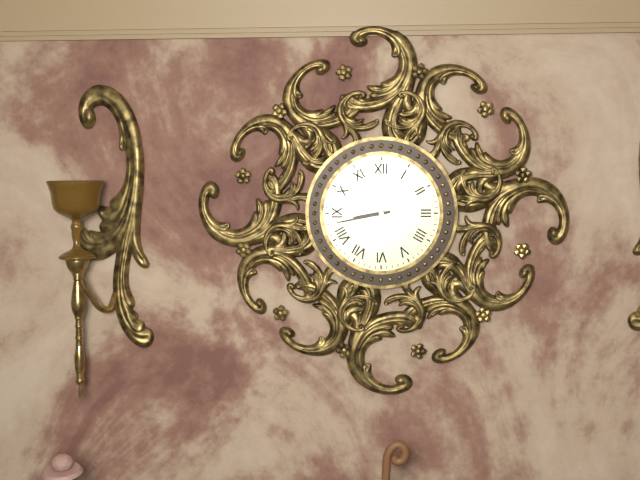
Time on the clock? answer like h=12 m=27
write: h=8 m=43
